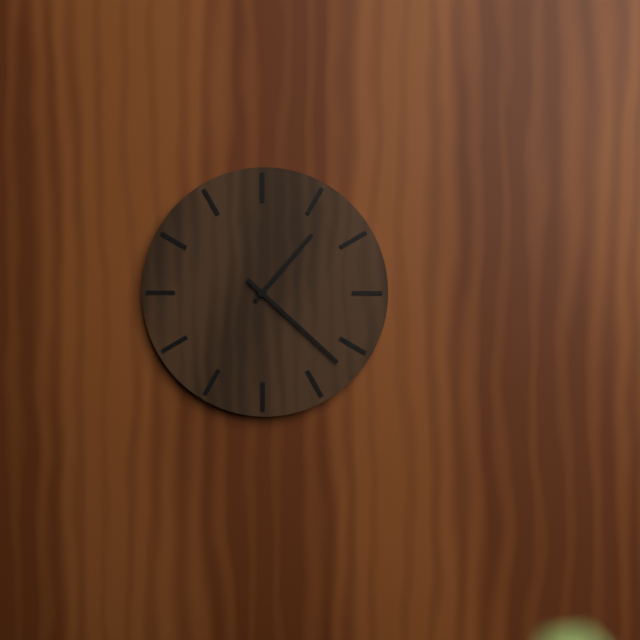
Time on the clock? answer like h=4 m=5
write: h=1 m=22
